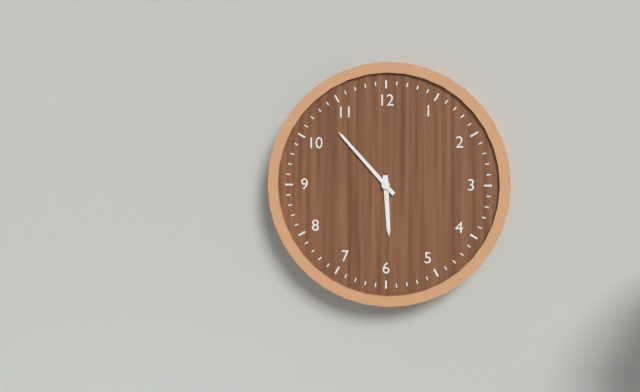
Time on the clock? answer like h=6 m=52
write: h=5 m=53
